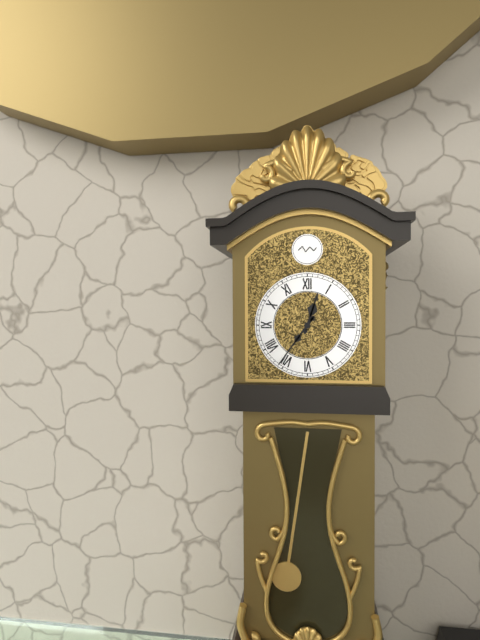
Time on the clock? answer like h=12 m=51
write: h=12 m=36
